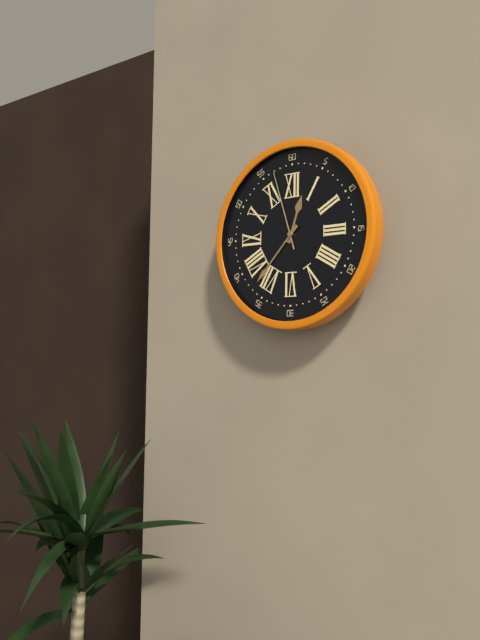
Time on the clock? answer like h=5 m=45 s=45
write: h=12 m=37 s=57
